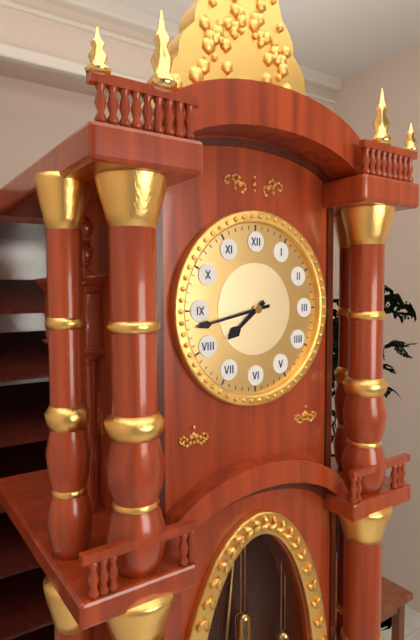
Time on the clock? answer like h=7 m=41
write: h=7 m=43
